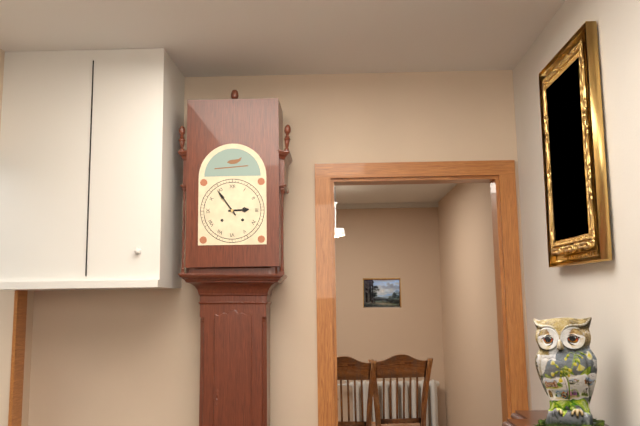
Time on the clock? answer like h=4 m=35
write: h=2 m=54
